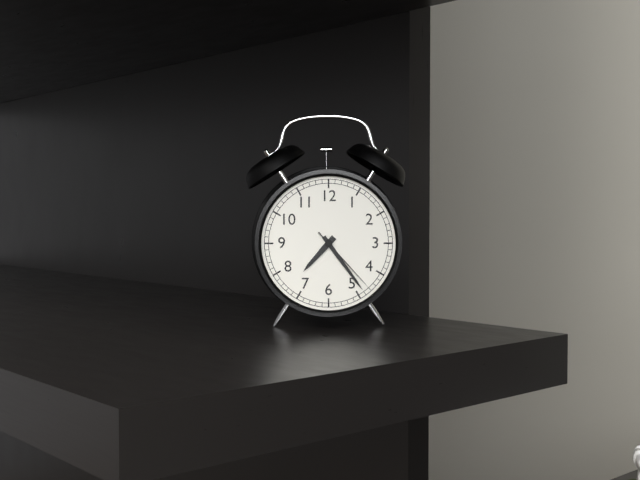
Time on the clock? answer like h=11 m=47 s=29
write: h=7 m=24 s=23
